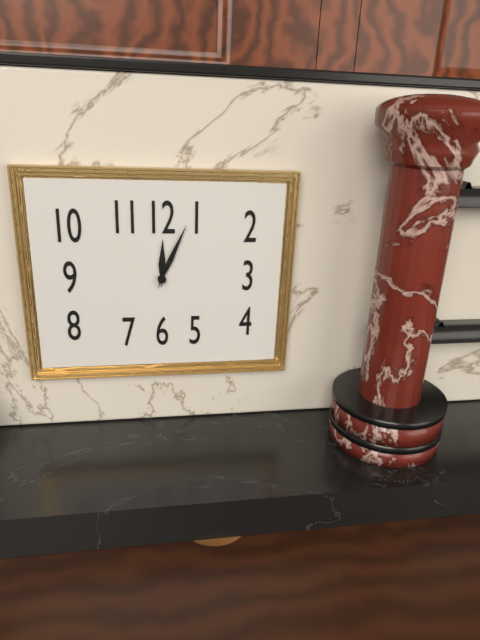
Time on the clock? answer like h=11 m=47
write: h=12 m=4
